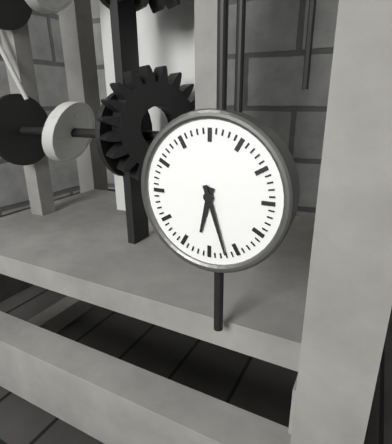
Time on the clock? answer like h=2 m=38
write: h=6 m=27
